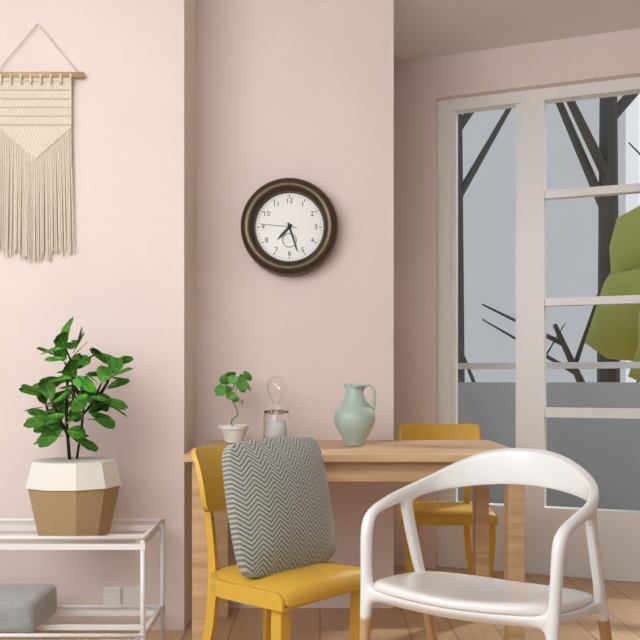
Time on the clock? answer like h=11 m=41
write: h=7 m=27
